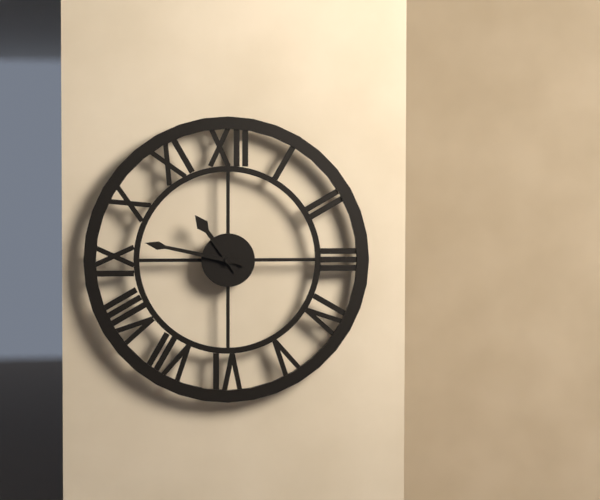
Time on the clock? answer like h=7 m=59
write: h=10 m=47
